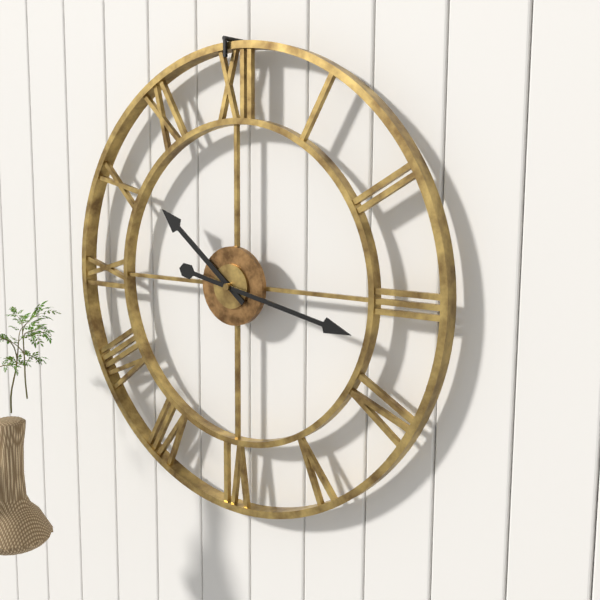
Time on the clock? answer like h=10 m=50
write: h=10 m=17
